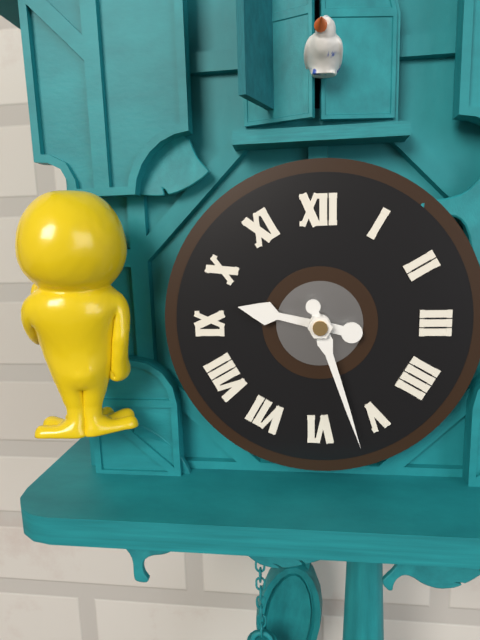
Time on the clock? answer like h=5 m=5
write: h=9 m=27
